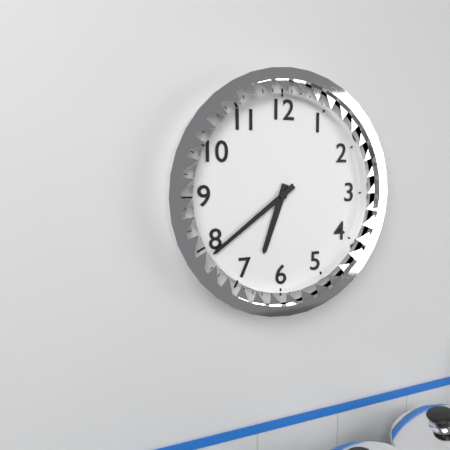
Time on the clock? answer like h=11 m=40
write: h=6 m=39
